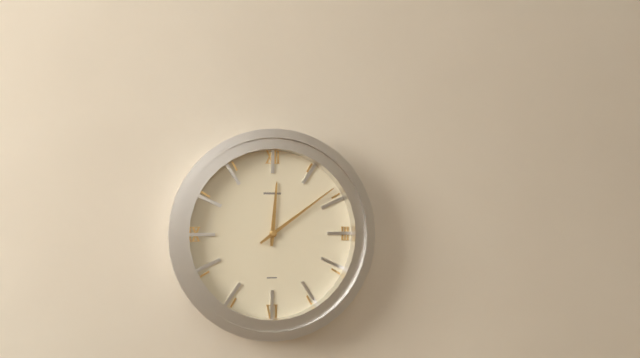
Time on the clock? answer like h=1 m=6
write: h=12 m=9
